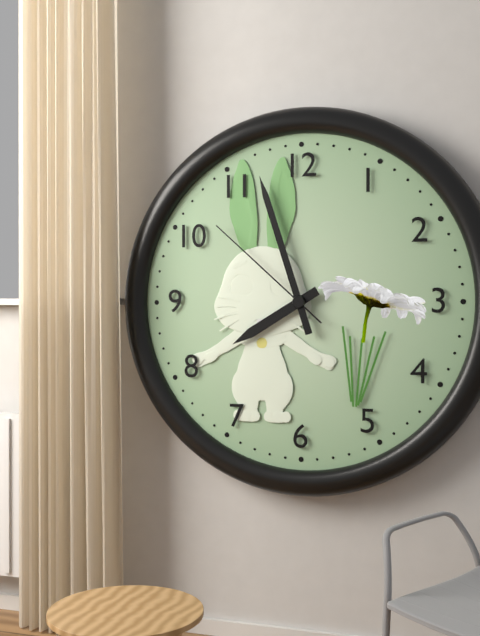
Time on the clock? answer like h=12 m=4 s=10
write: h=7 m=57 s=52
